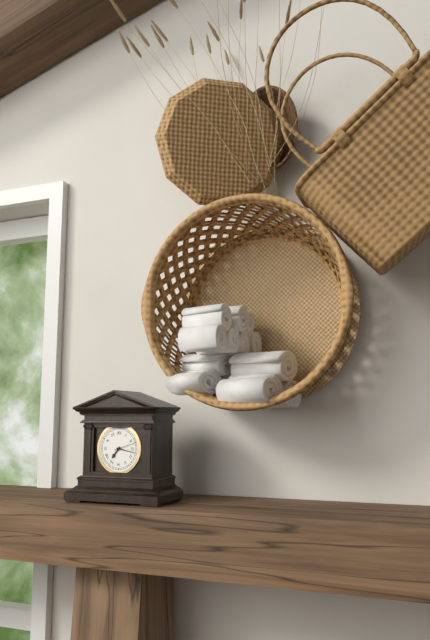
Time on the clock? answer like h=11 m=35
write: h=7 m=17
